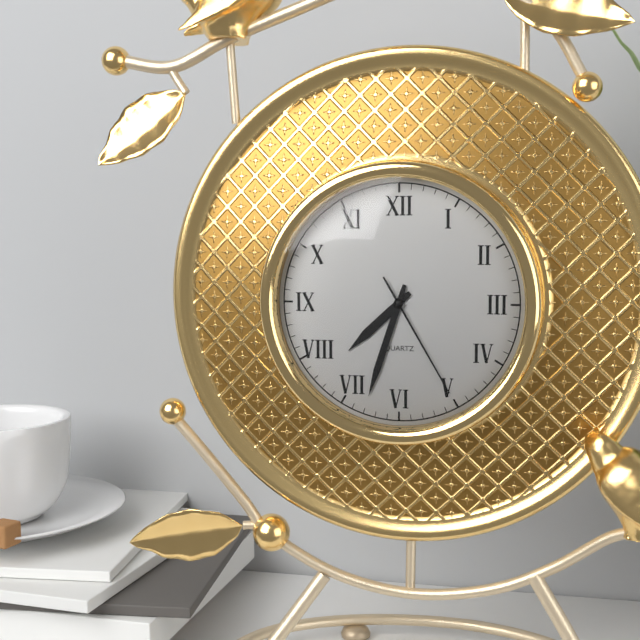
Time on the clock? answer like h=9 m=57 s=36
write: h=7 m=33 s=25
